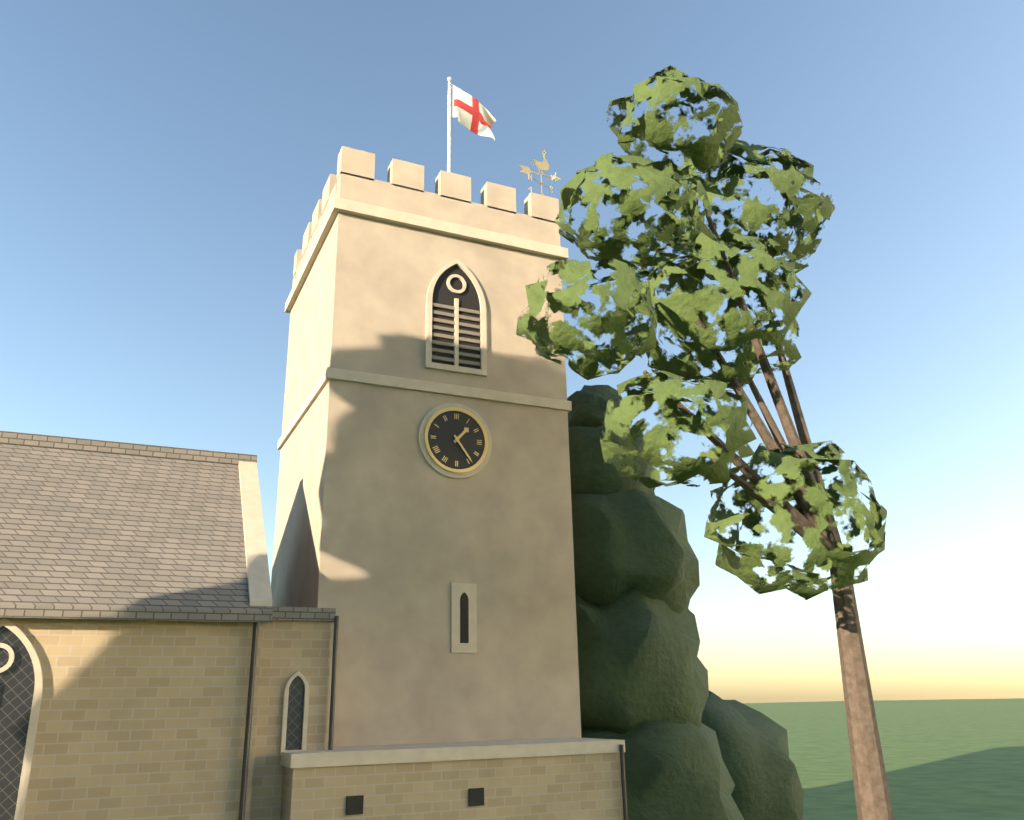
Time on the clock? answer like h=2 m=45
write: h=1 m=24
